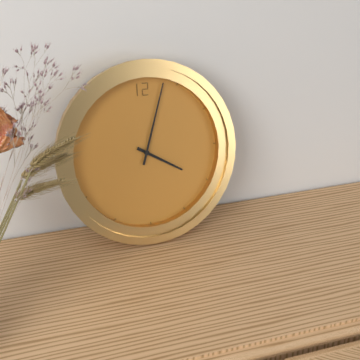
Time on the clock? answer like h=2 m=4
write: h=4 m=3
